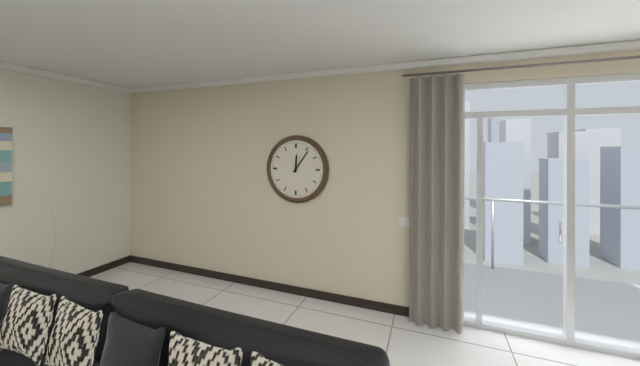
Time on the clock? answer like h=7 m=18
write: h=12 m=6
